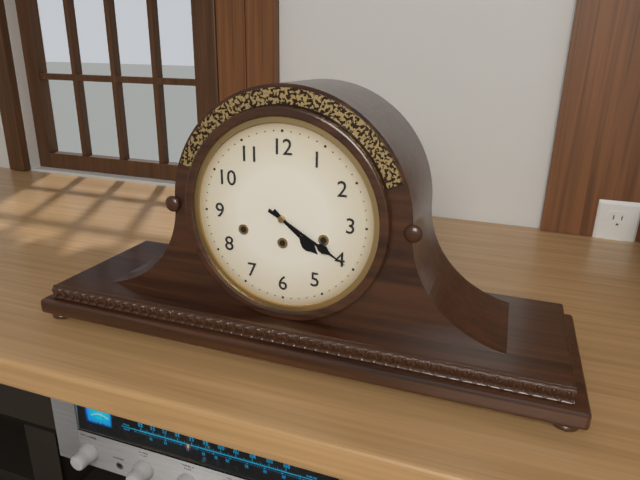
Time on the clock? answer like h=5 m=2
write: h=4 m=20
